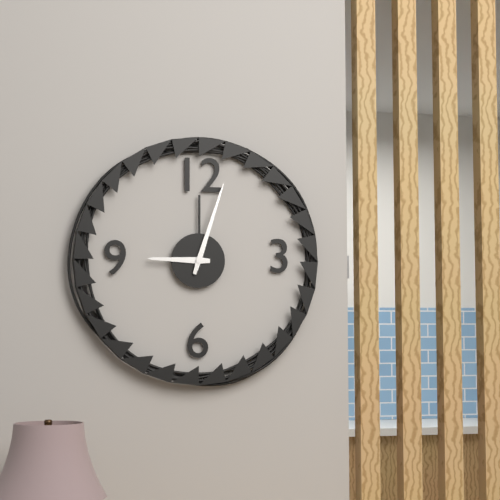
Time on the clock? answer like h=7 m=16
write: h=9 m=3
